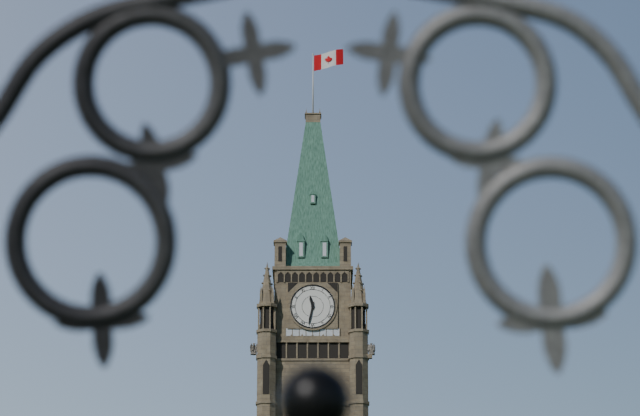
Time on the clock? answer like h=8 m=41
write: h=11 m=32
